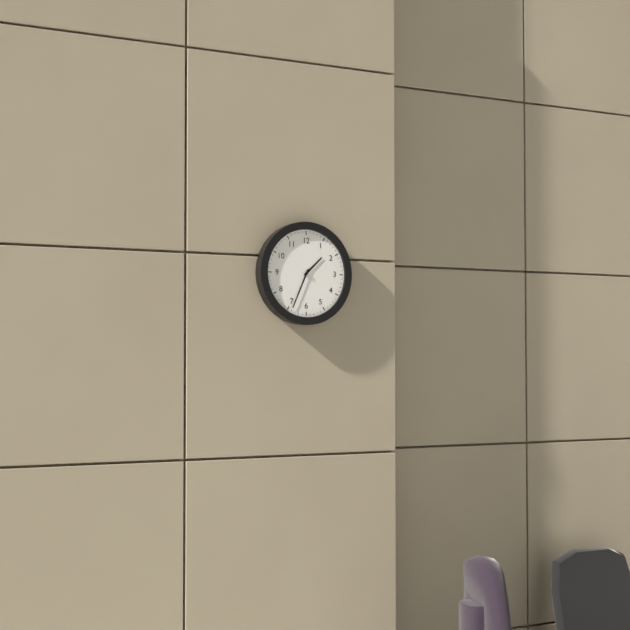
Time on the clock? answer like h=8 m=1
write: h=1 m=34
